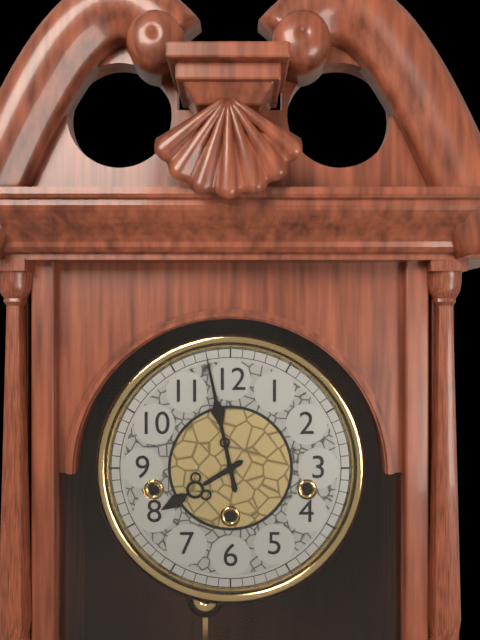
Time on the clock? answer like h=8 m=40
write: h=7 m=58
